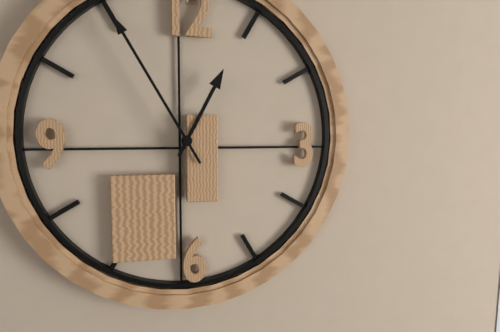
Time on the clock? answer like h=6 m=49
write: h=12 m=55
